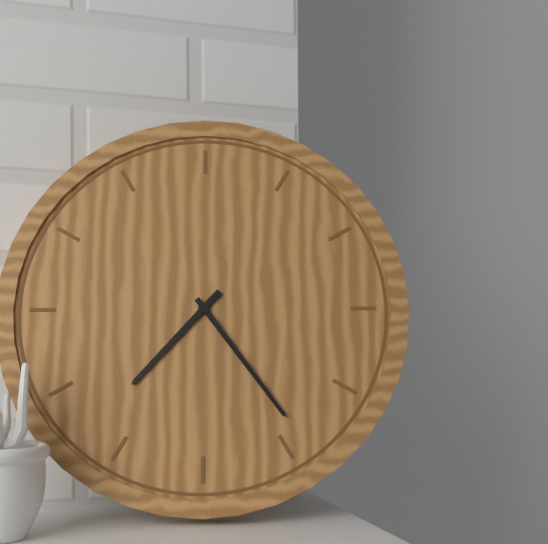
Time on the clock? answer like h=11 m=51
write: h=7 m=24
